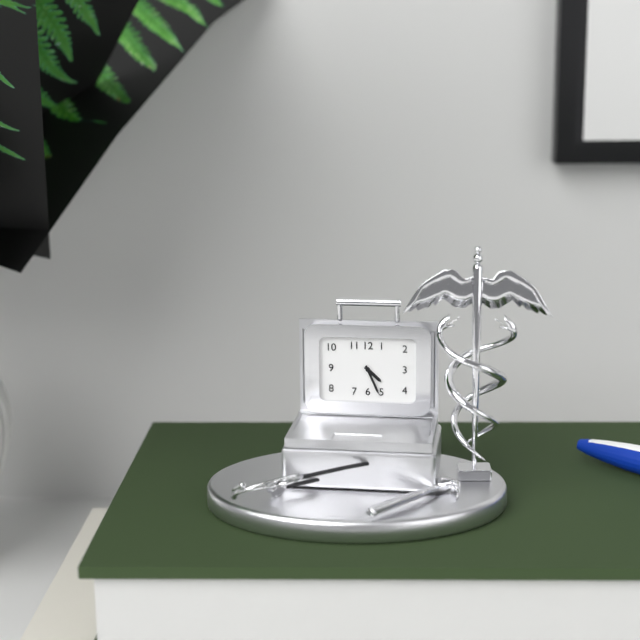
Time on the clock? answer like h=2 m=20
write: h=4 m=26
